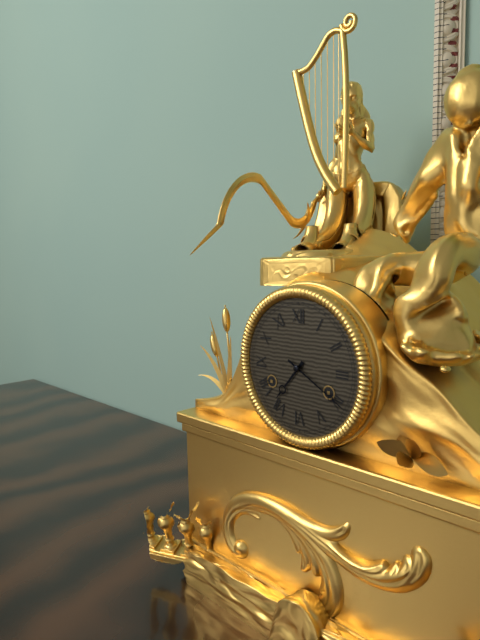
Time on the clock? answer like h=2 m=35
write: h=7 m=20
